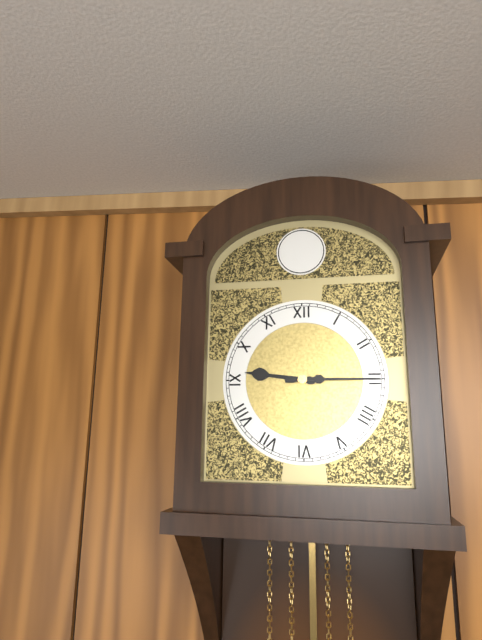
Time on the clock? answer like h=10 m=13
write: h=9 m=15
